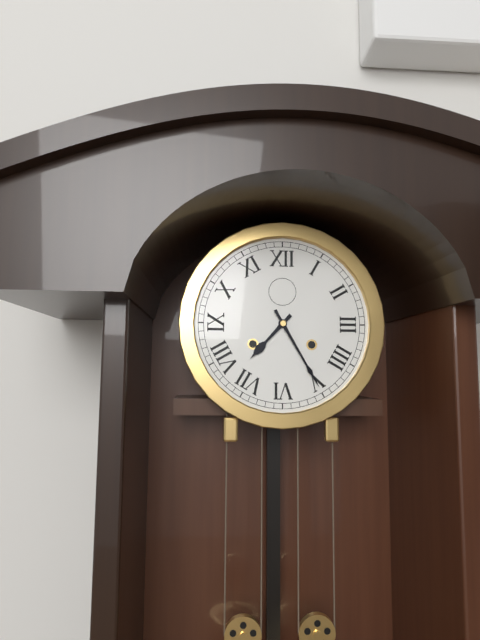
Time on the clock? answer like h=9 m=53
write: h=7 m=25
